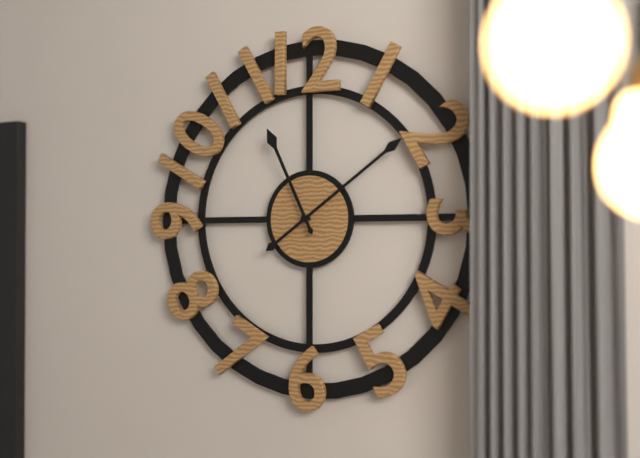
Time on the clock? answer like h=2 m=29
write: h=11 m=9
